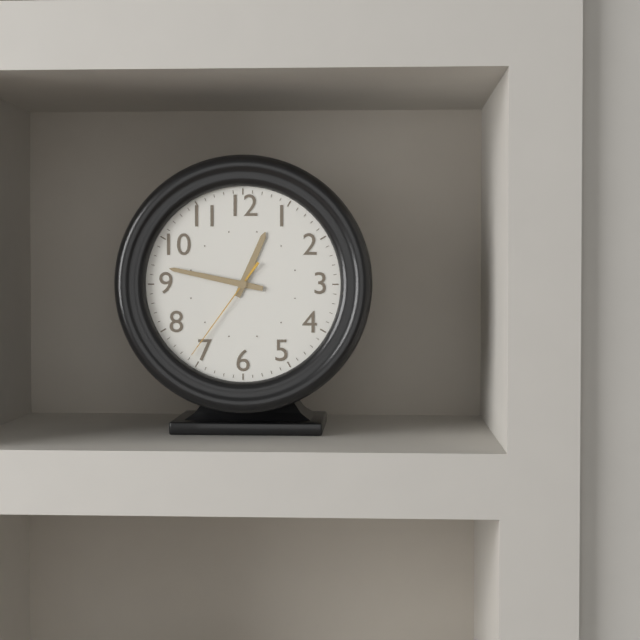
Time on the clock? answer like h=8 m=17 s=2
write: h=12 m=47 s=36
